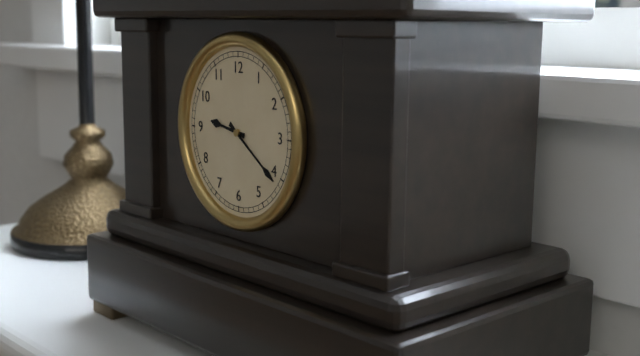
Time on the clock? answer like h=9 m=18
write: h=9 m=21
